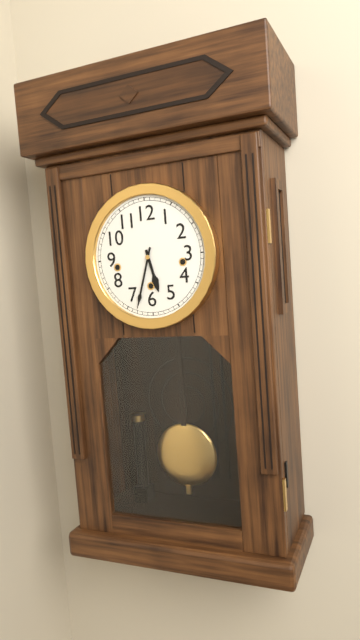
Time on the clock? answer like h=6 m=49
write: h=5 m=33
